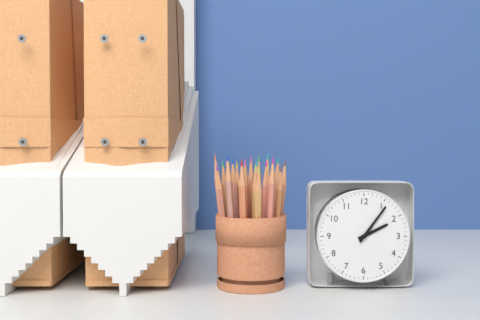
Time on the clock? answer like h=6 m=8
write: h=2 m=6
